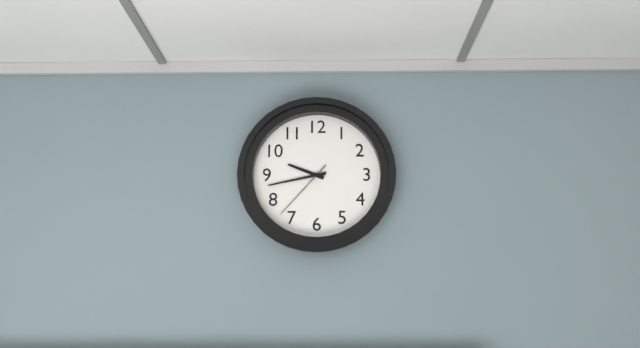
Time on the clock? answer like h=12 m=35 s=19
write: h=9 m=43 s=37
